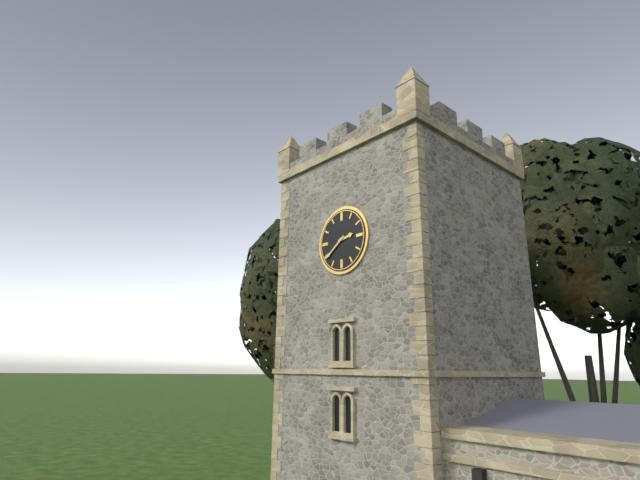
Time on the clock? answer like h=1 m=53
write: h=2 m=39
